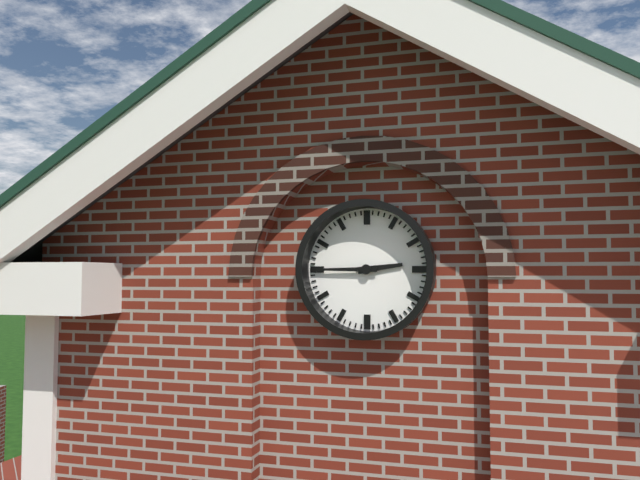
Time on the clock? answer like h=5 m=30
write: h=2 m=45
